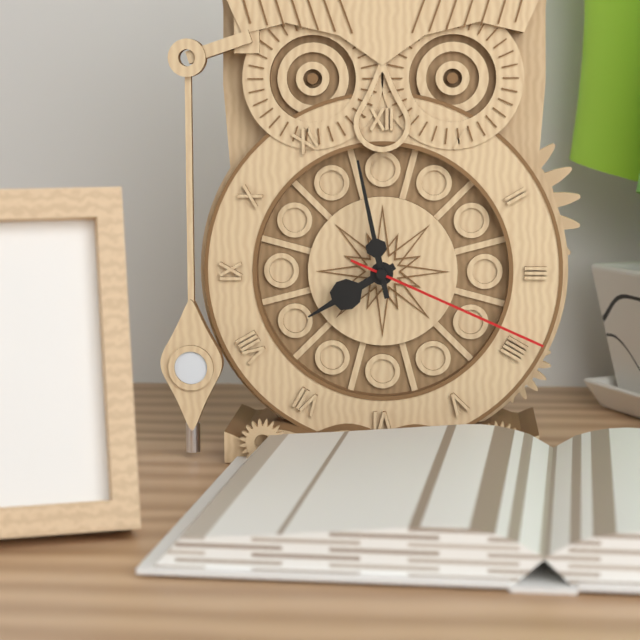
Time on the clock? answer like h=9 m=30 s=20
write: h=7 m=58 s=19
